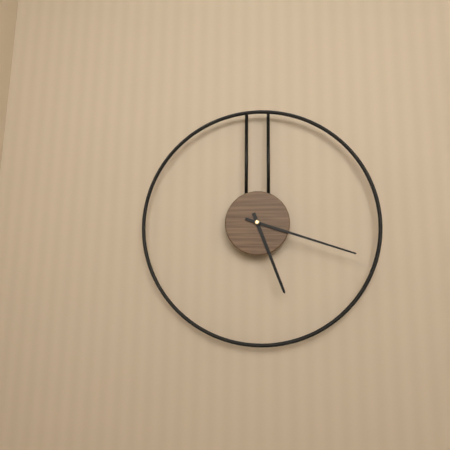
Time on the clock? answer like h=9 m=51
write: h=5 m=18
